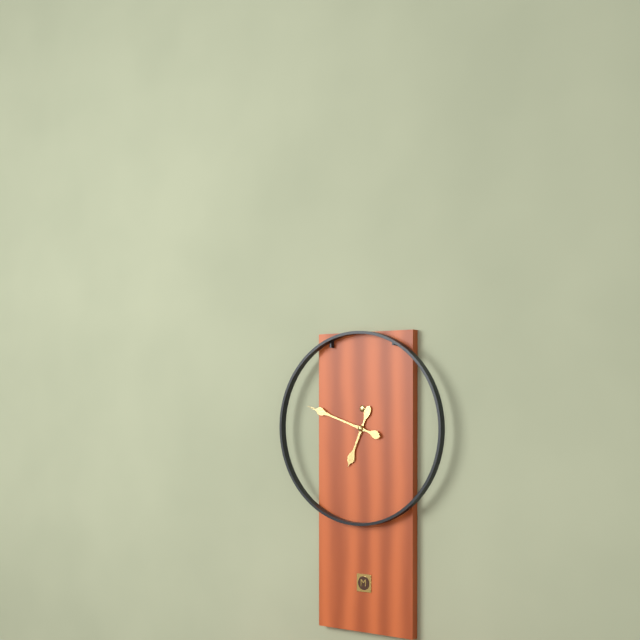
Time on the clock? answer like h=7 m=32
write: h=6 m=48
